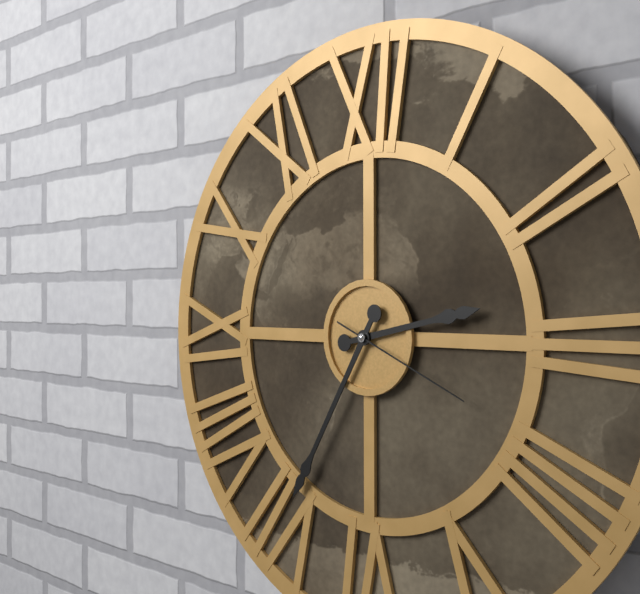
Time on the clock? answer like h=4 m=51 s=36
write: h=2 m=35 s=19
